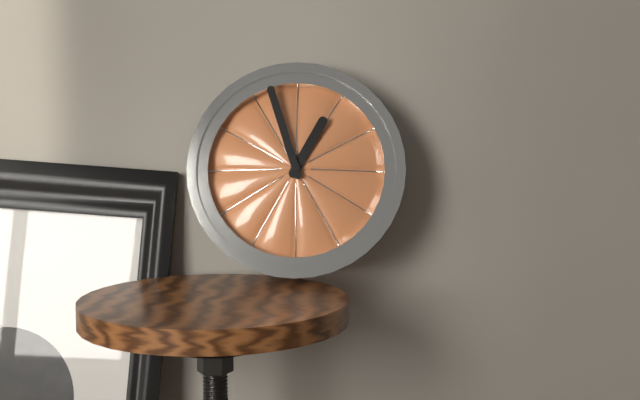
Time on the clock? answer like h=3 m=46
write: h=12 m=57
